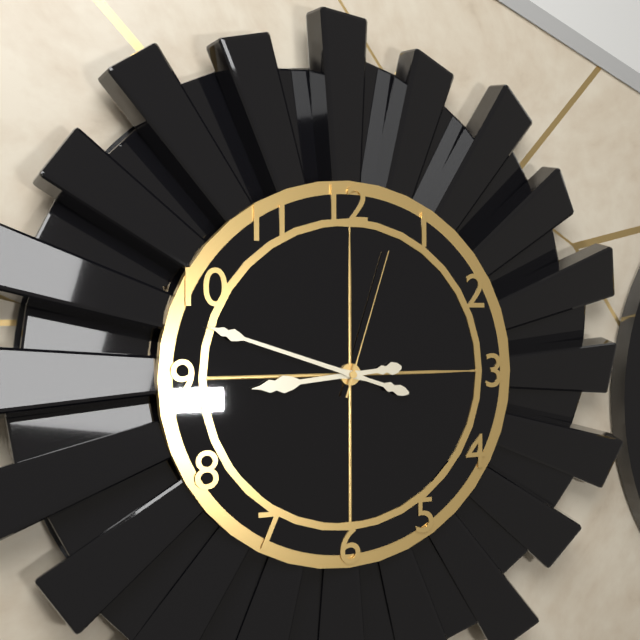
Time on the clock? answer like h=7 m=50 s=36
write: h=8 m=48 s=3
